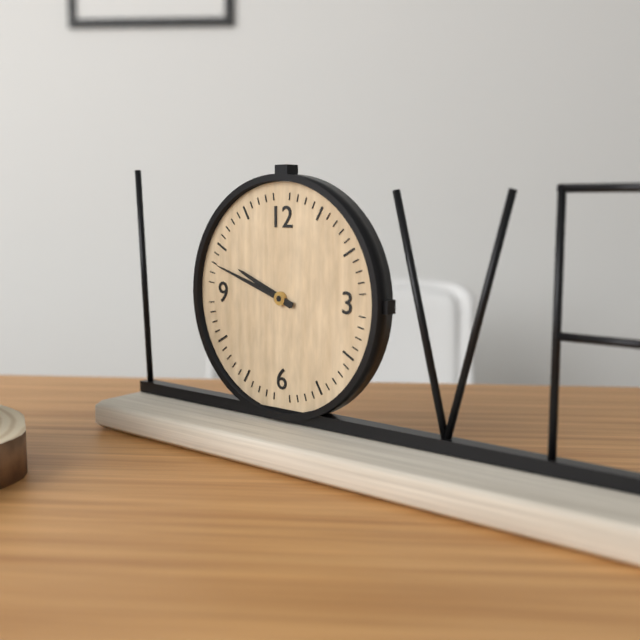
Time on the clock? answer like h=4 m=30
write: h=9 m=48
